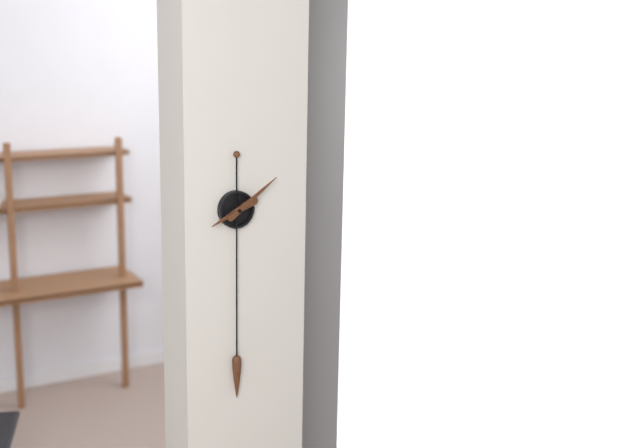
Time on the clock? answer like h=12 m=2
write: h=8 m=9
